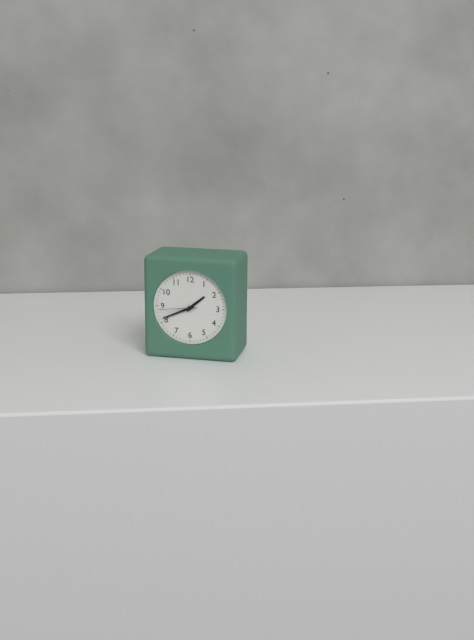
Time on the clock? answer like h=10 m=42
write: h=1 m=41
